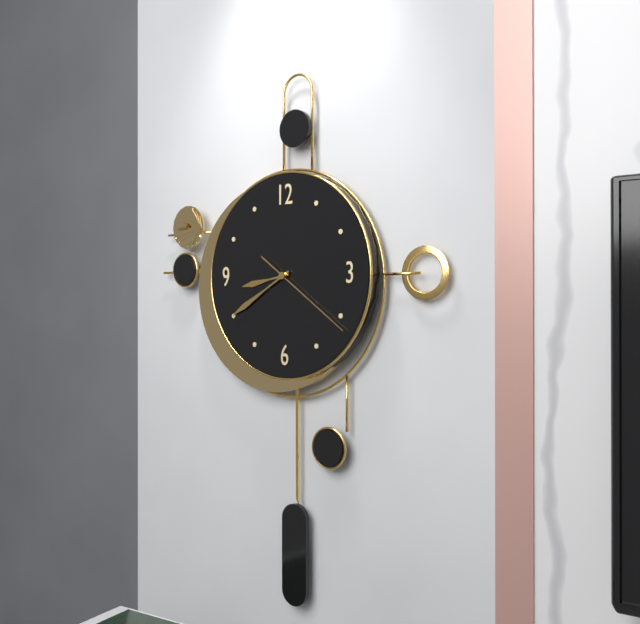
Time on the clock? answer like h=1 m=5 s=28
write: h=8 m=40 s=21
